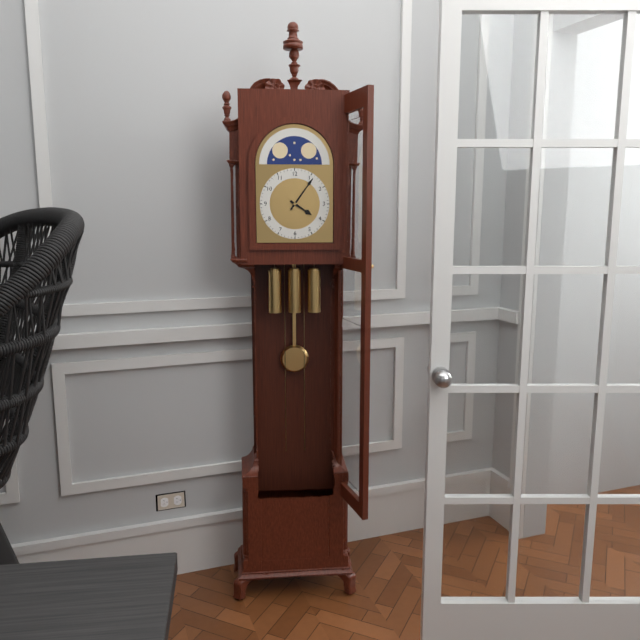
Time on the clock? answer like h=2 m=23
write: h=4 m=6
